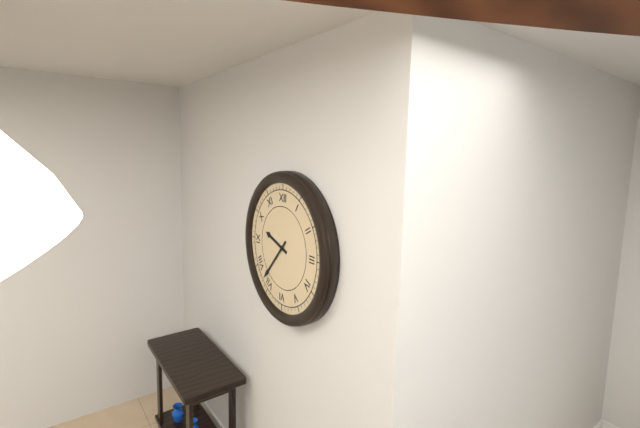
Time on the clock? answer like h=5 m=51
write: h=9 m=37
